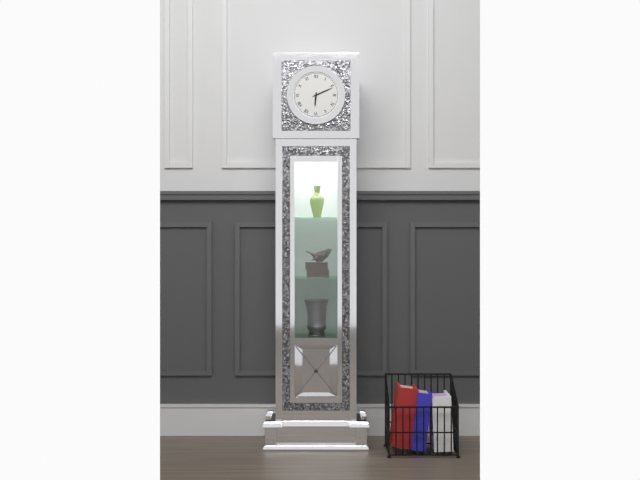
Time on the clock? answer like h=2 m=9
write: h=6 m=11
